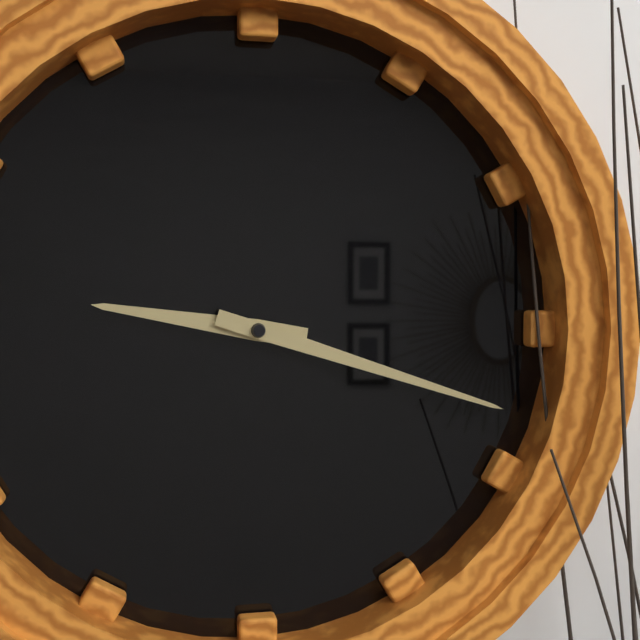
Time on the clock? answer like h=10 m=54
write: h=9 m=18
